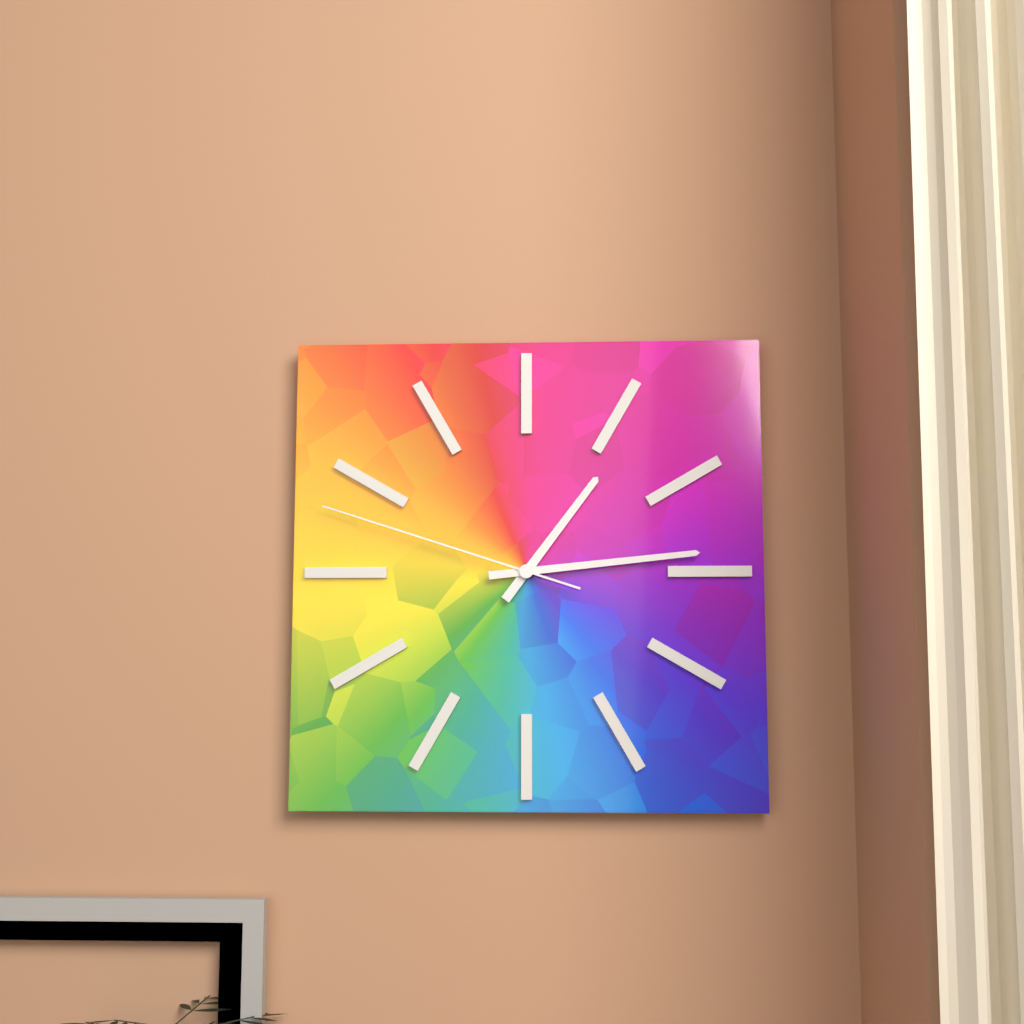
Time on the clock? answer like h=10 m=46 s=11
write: h=1 m=14 s=48
